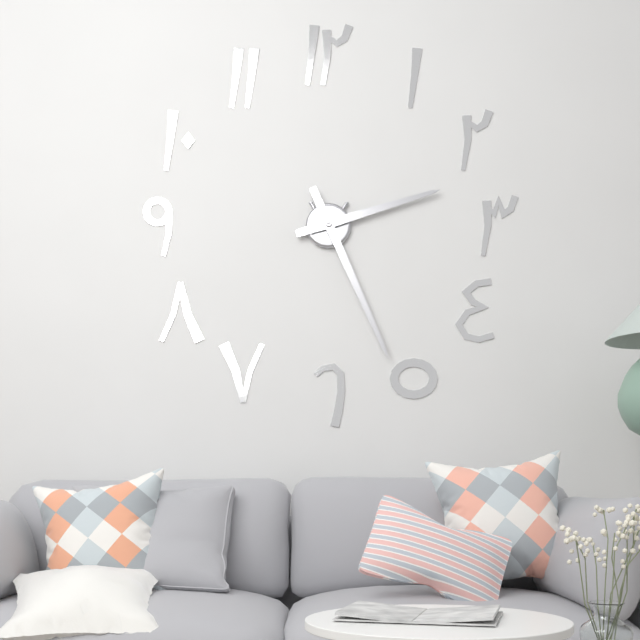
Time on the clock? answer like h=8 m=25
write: h=2 m=26
